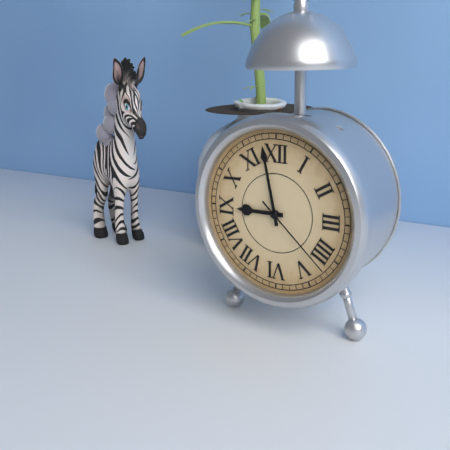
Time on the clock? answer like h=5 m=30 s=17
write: h=8 m=58 s=22
